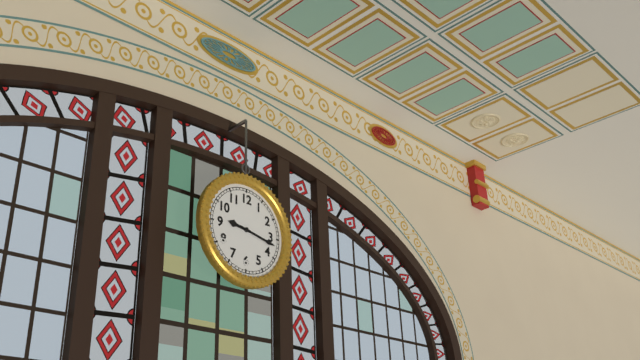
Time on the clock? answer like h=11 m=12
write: h=9 m=17
